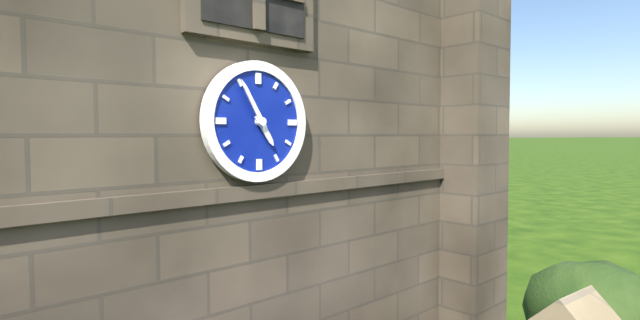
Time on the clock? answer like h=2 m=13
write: h=4 m=55
